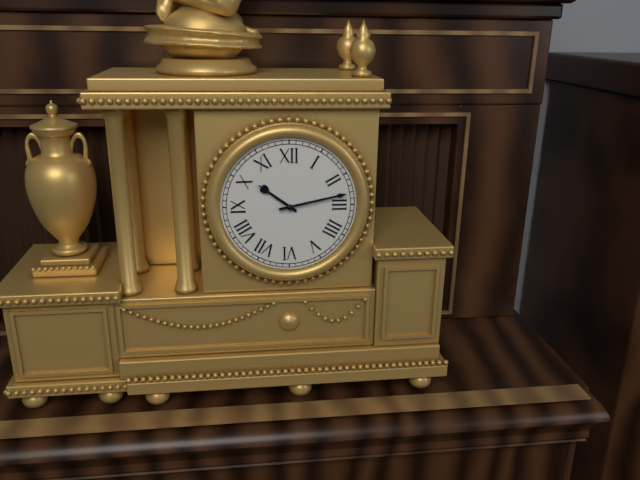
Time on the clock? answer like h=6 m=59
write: h=10 m=13
